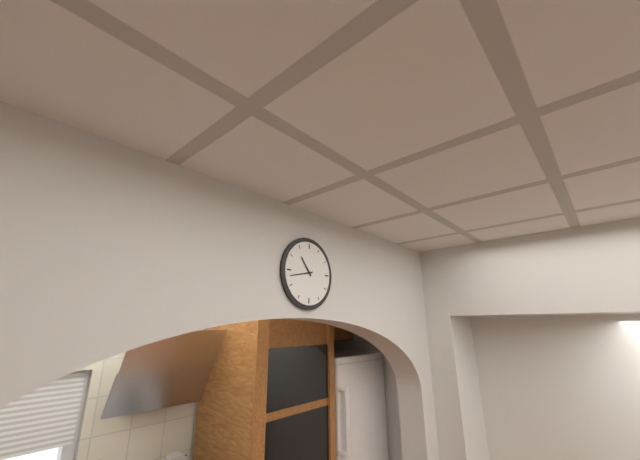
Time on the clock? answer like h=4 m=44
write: h=10 m=43
